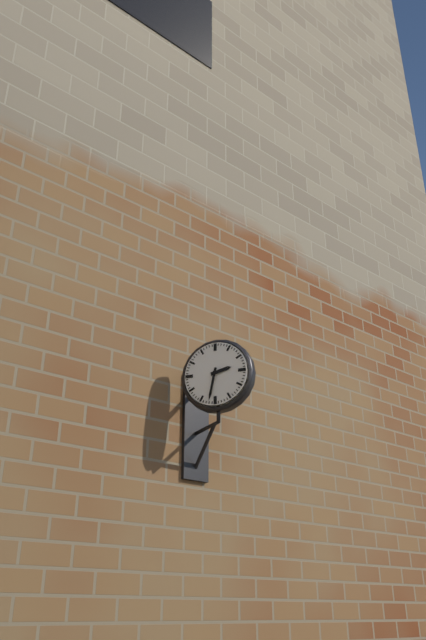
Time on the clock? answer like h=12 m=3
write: h=2 m=32
